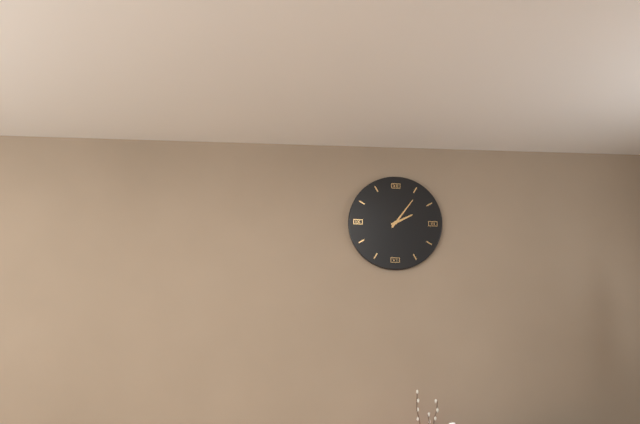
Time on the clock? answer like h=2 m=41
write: h=2 m=6
